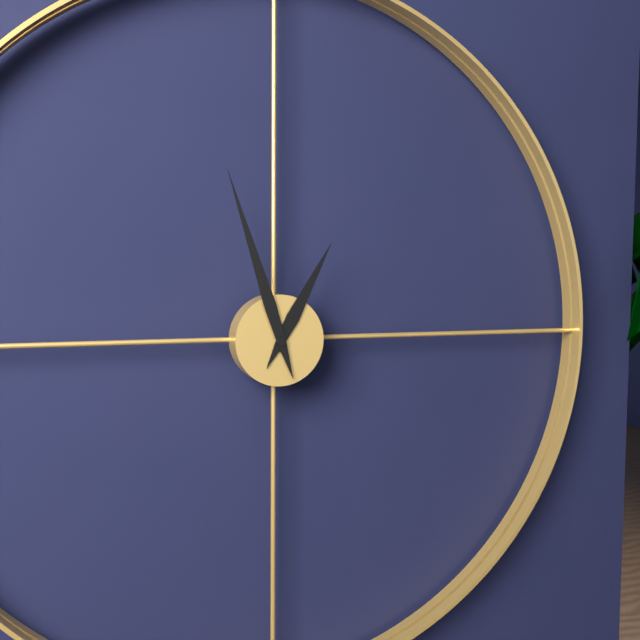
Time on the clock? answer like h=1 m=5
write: h=12 m=57
